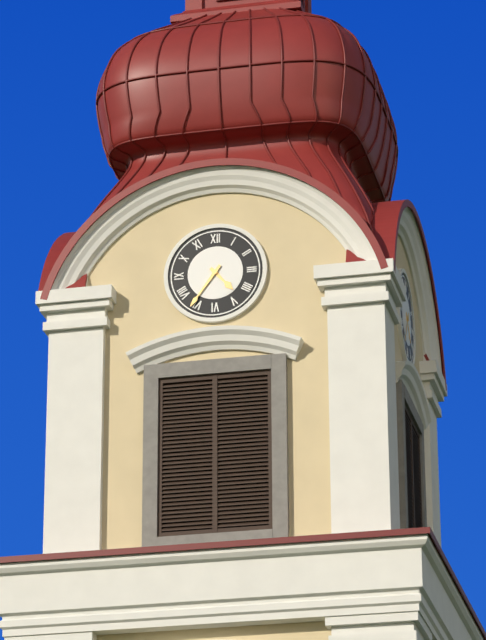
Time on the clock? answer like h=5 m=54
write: h=4 m=36
